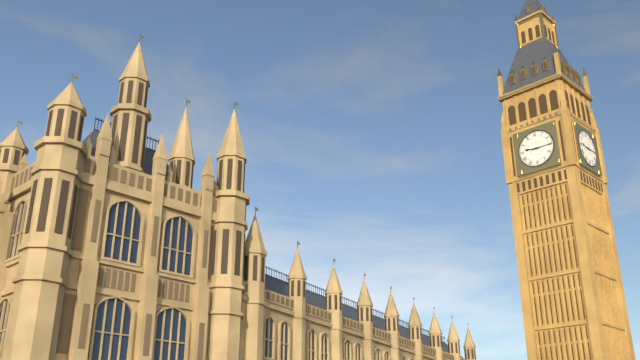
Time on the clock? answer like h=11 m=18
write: h=9 m=15
